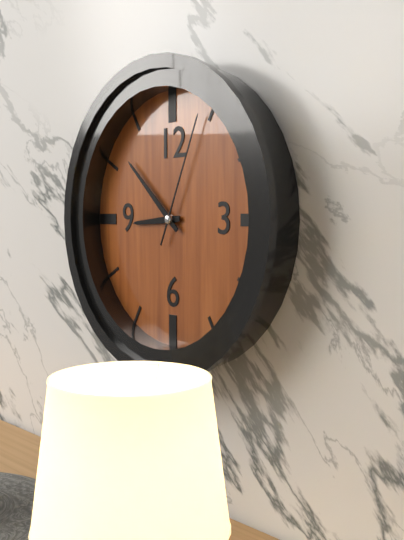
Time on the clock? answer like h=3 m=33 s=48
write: h=8 m=52 s=4
